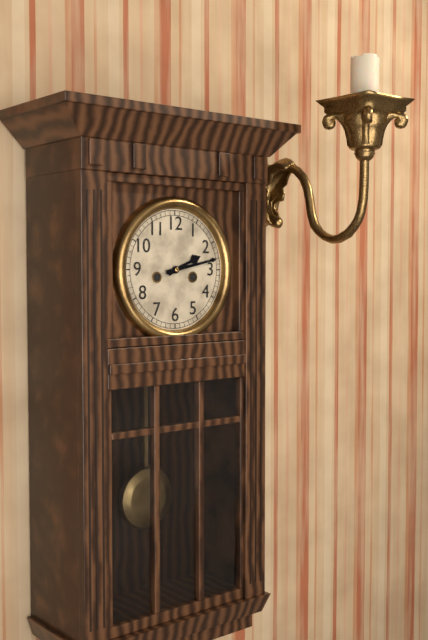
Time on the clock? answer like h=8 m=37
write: h=2 m=13
